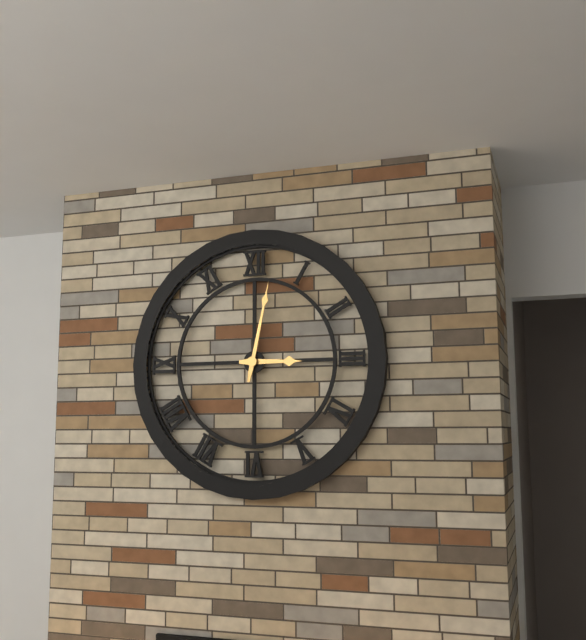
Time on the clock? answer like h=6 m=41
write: h=3 m=2
